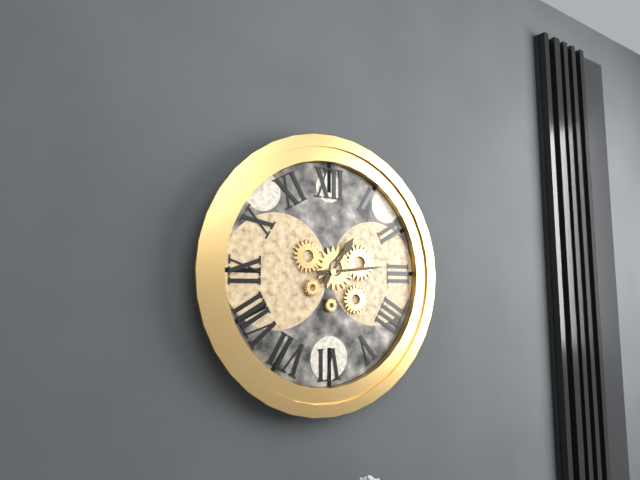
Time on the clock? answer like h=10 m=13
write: h=1 m=14
